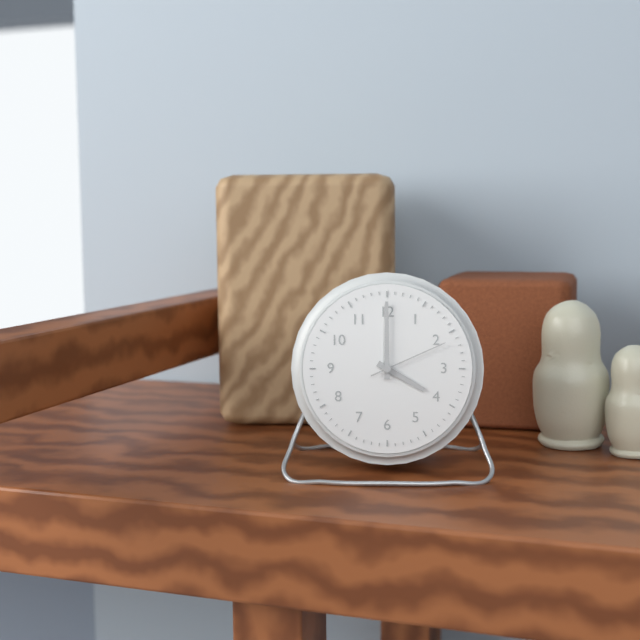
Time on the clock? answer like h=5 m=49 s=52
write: h=4 m=0 s=11
